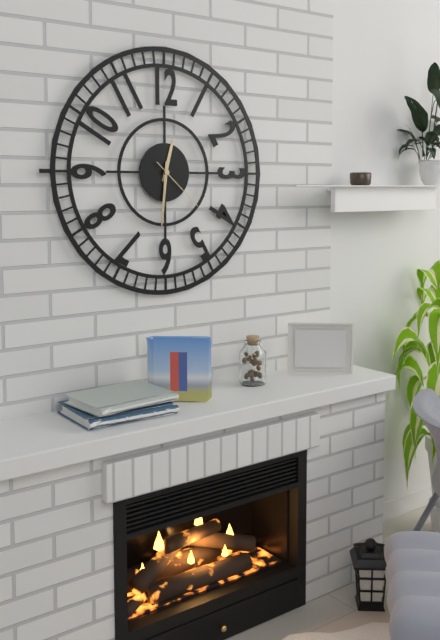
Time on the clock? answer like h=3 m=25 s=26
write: h=12 m=31 s=22
